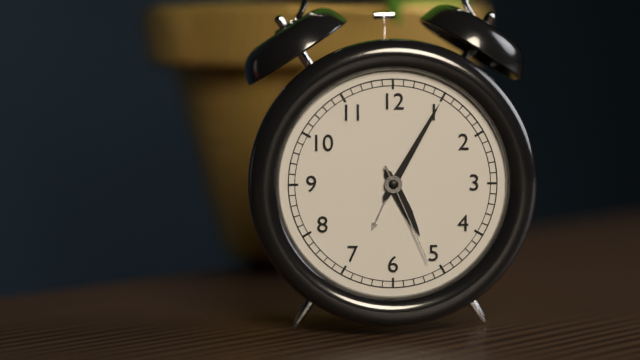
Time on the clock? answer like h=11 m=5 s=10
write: h=5 m=5 s=26
